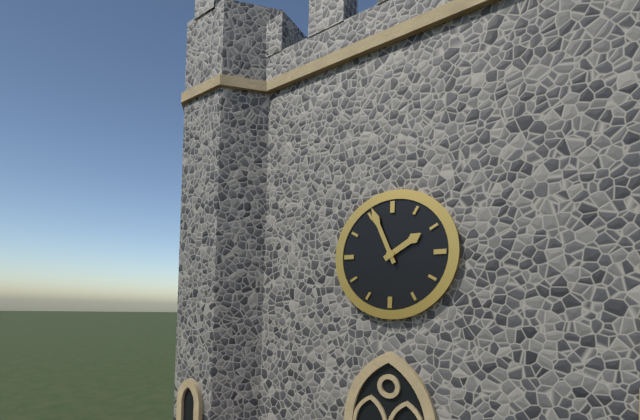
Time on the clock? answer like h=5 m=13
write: h=1 m=56
